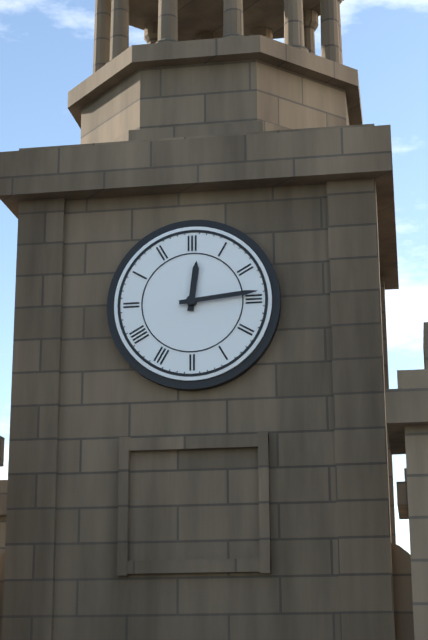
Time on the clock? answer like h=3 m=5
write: h=12 m=14
